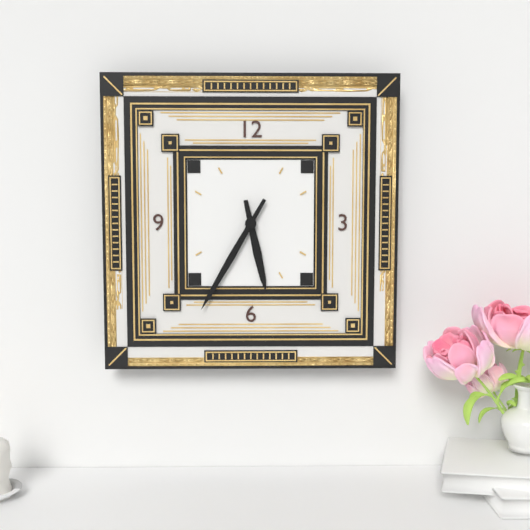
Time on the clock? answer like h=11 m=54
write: h=5 m=35
